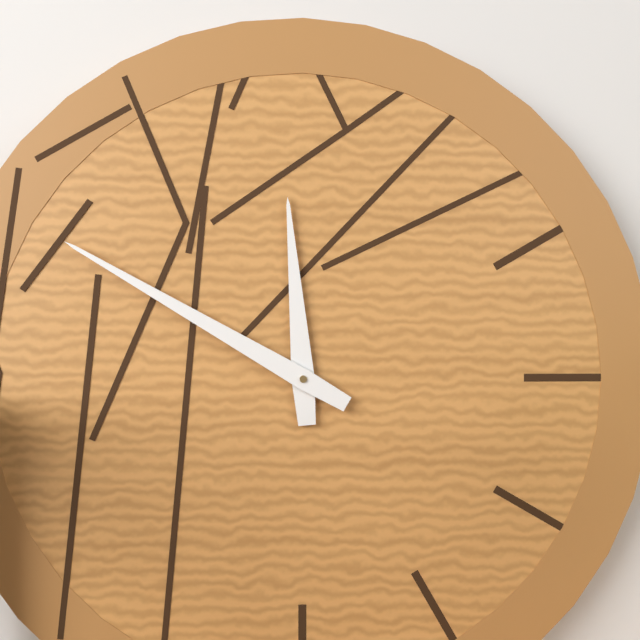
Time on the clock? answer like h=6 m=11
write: h=11 m=50
